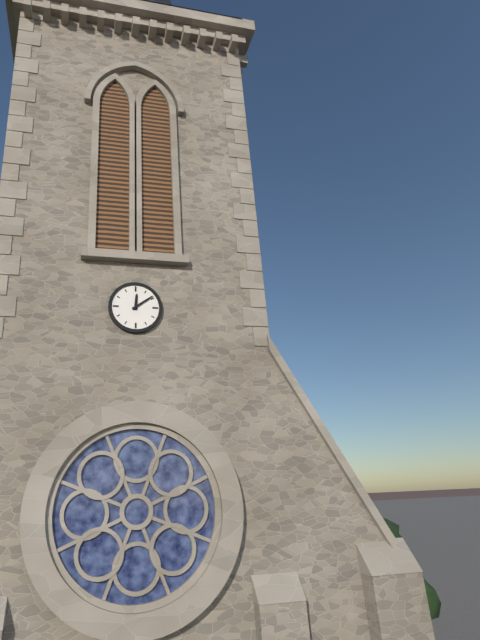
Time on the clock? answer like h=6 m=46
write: h=12 m=9
